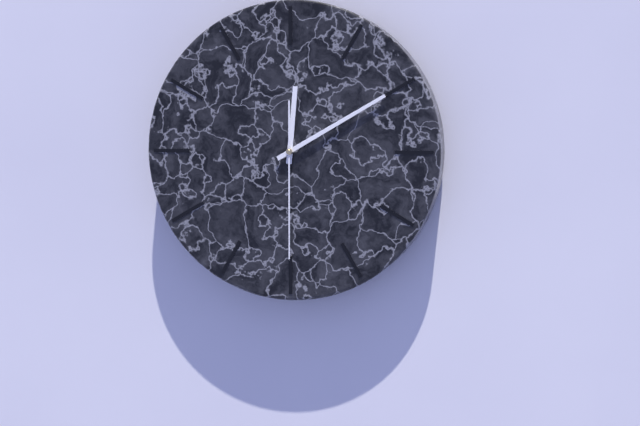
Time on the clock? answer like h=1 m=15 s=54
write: h=12 m=10 s=30
